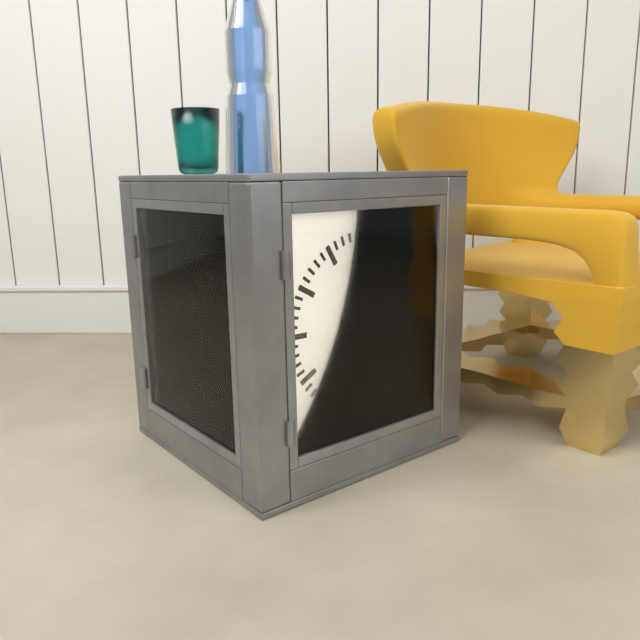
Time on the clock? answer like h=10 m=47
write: h=5 m=7
